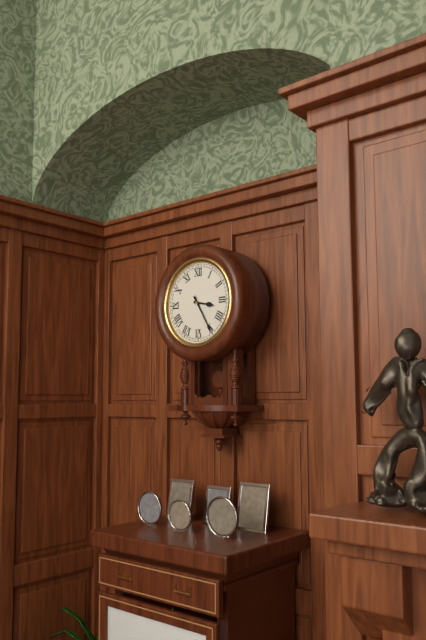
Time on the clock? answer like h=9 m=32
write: h=3 m=25
